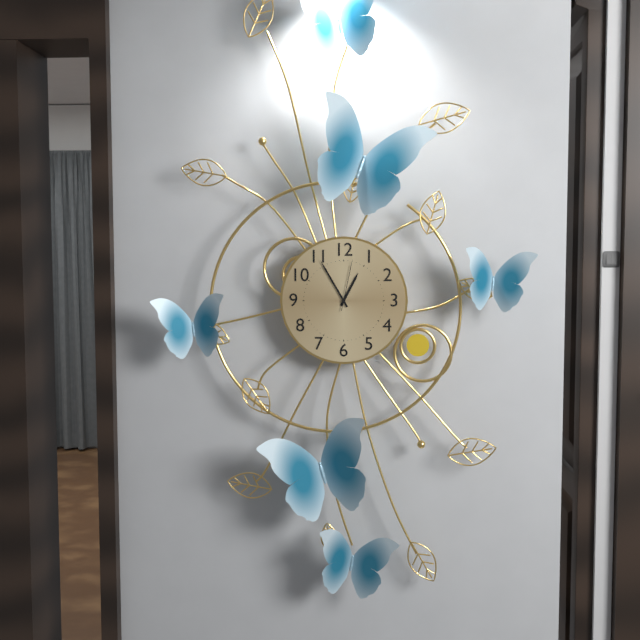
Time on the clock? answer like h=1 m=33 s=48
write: h=12 m=55 s=2
